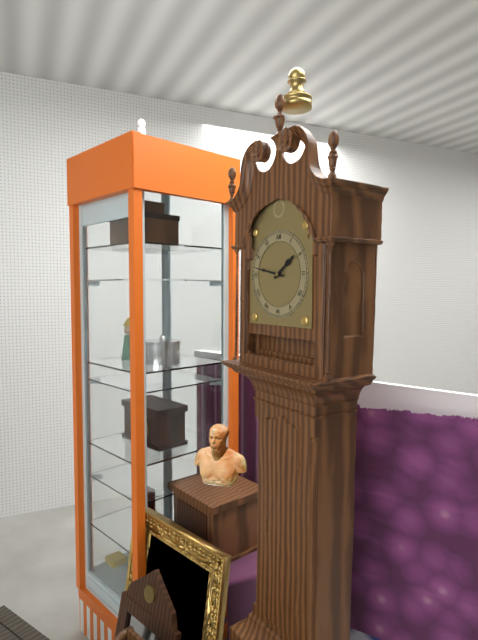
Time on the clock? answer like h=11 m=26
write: h=1 m=47
